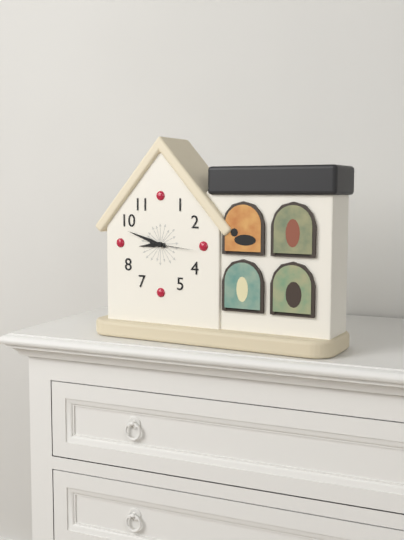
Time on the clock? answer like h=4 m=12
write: h=8 m=48
